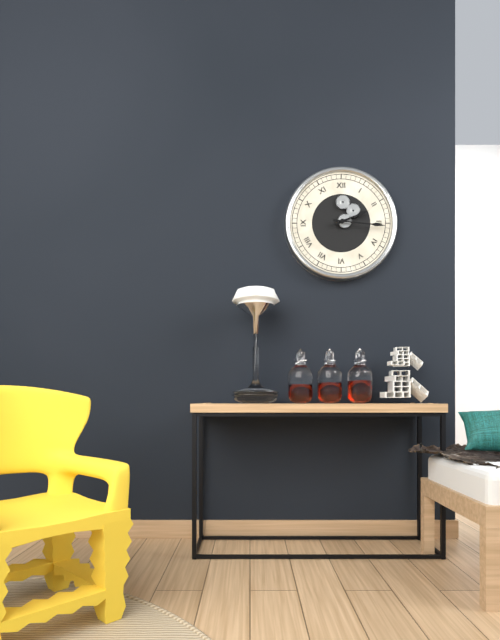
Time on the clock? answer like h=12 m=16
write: h=2 m=16
